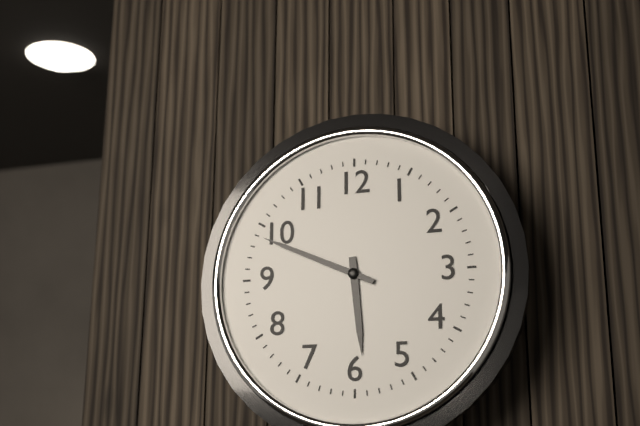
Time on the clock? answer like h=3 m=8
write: h=5 m=49
